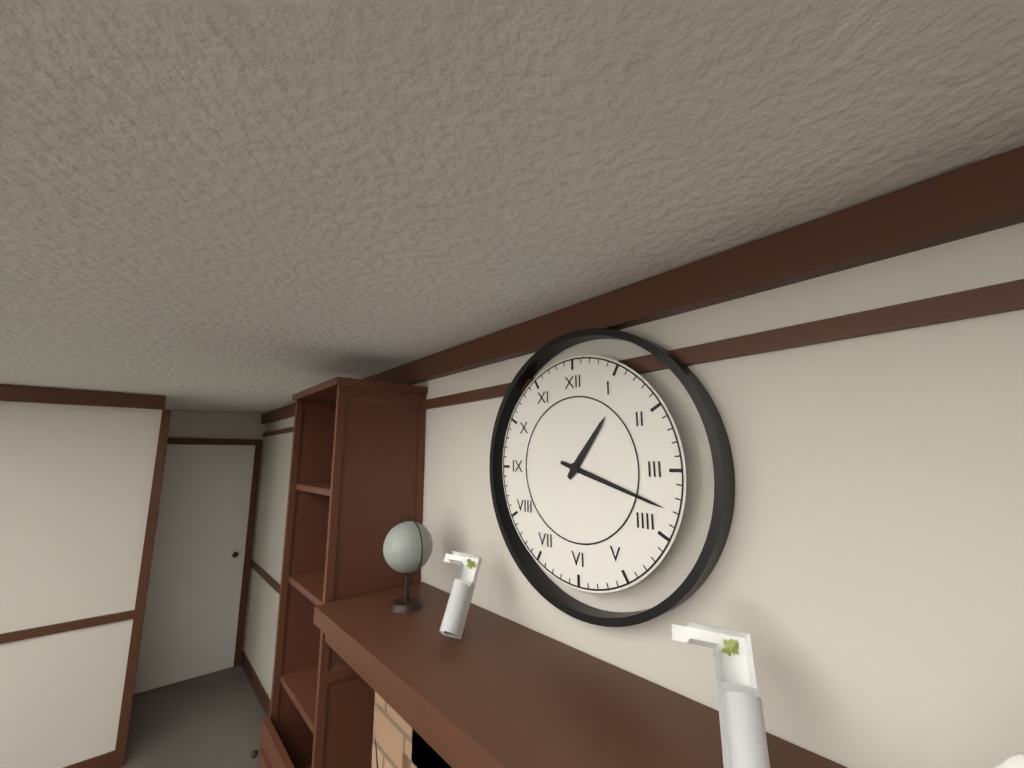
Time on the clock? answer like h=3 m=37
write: h=1 m=18
